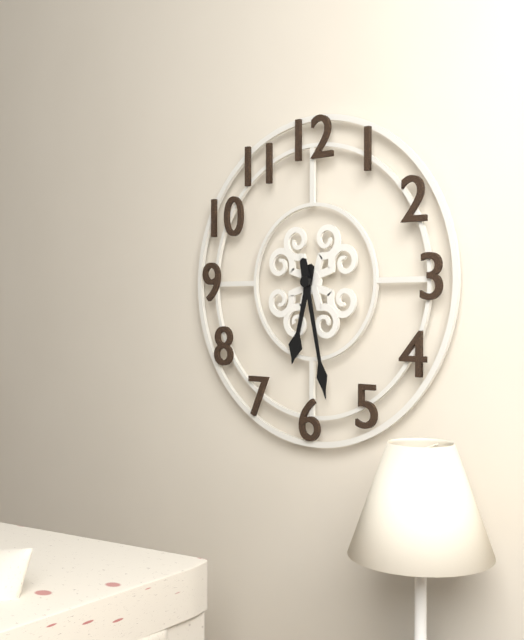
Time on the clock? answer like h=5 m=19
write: h=6 m=28
